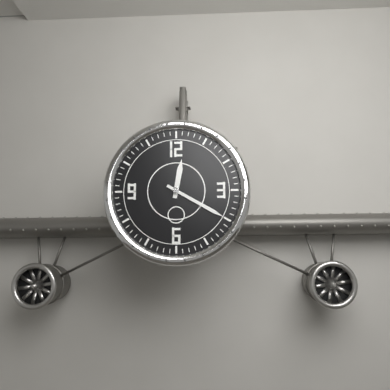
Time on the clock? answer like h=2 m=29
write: h=12 m=20
